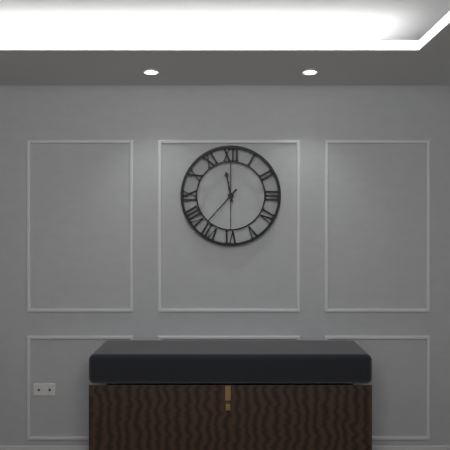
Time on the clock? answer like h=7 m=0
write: h=11 m=37
